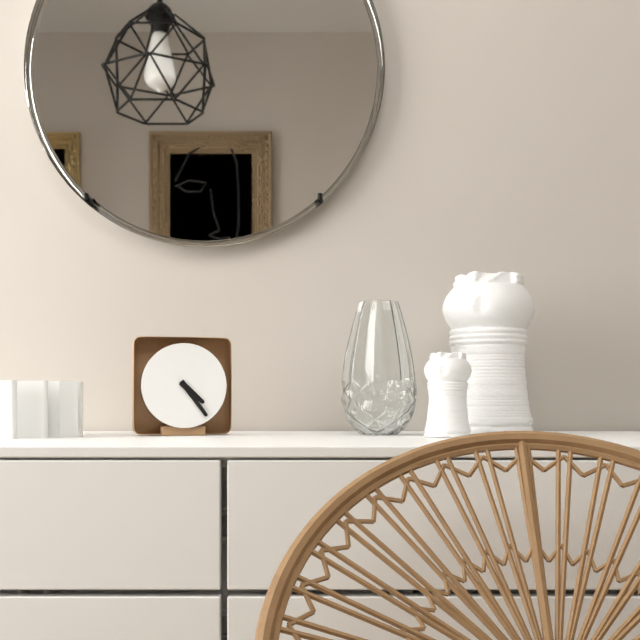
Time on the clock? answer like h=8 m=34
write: h=4 m=24
